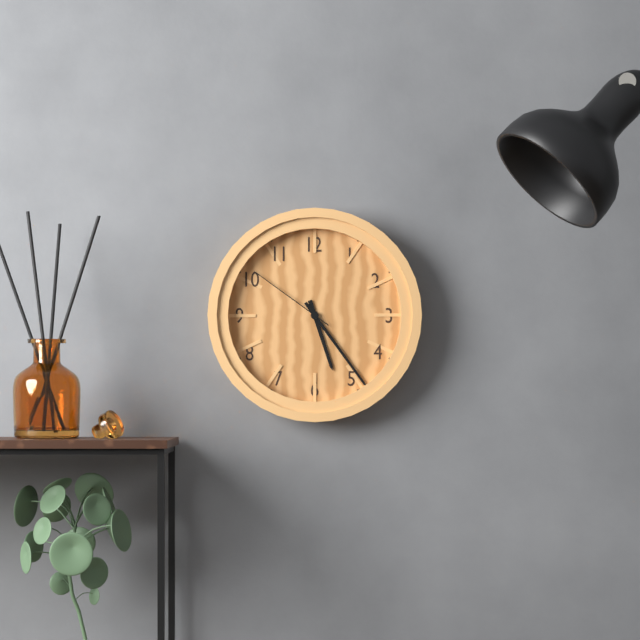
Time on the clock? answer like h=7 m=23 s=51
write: h=5 m=24 s=51
